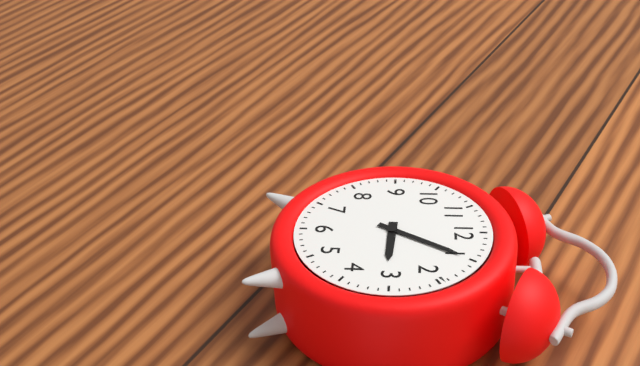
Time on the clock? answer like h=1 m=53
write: h=3 m=5
